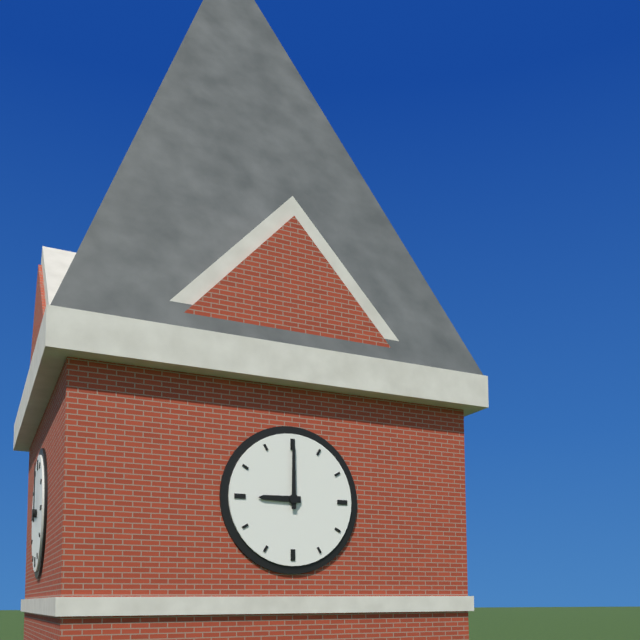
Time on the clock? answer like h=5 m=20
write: h=9 m=0
